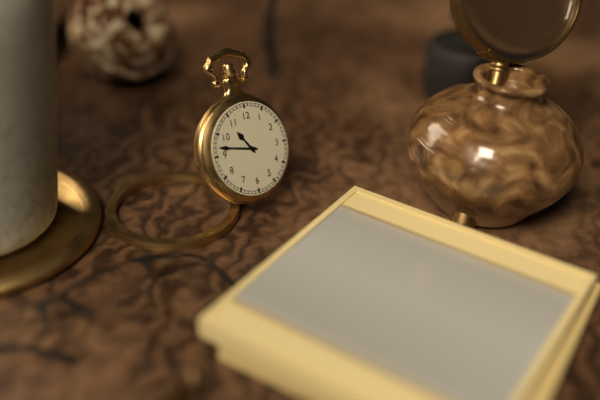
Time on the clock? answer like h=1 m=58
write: h=10 m=47
